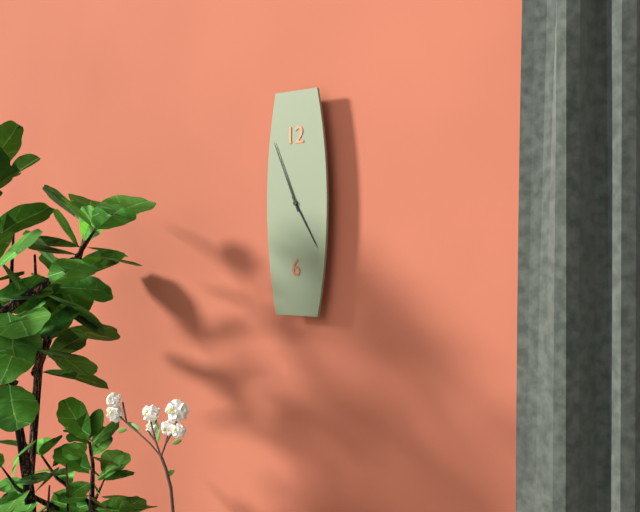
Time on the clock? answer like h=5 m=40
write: h=4 m=56
